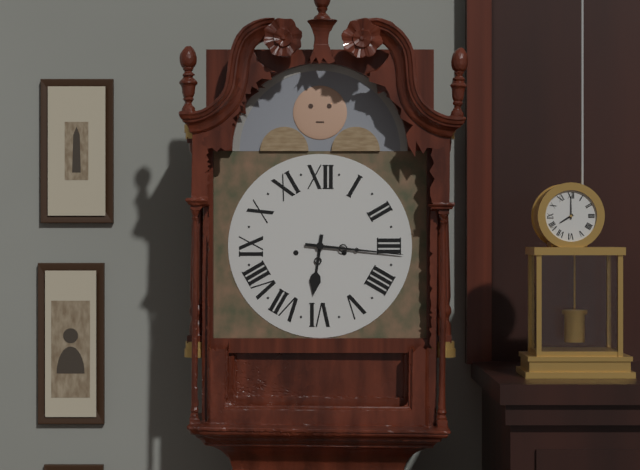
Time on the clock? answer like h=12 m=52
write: h=6 m=16
